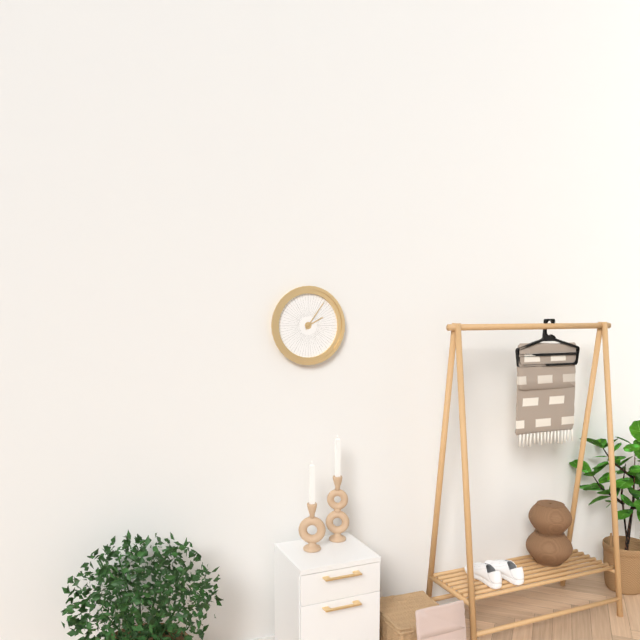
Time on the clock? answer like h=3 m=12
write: h=2 m=6
